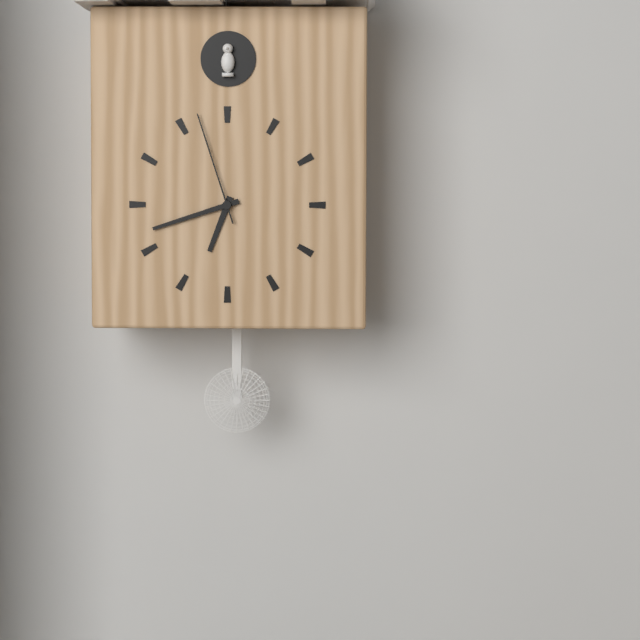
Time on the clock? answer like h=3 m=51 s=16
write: h=6 m=42 s=57
